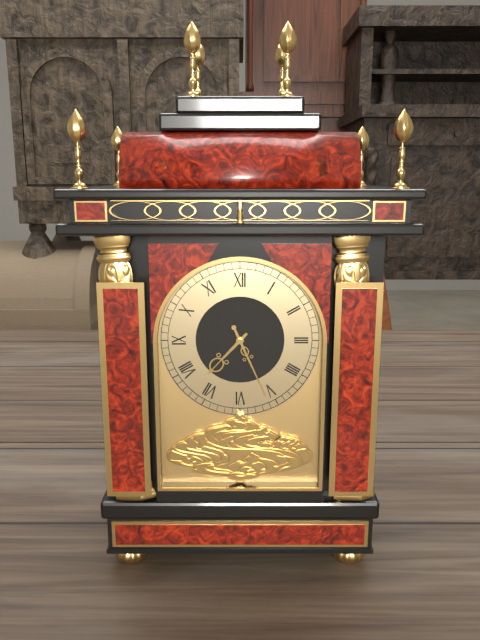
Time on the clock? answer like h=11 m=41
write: h=7 m=26
